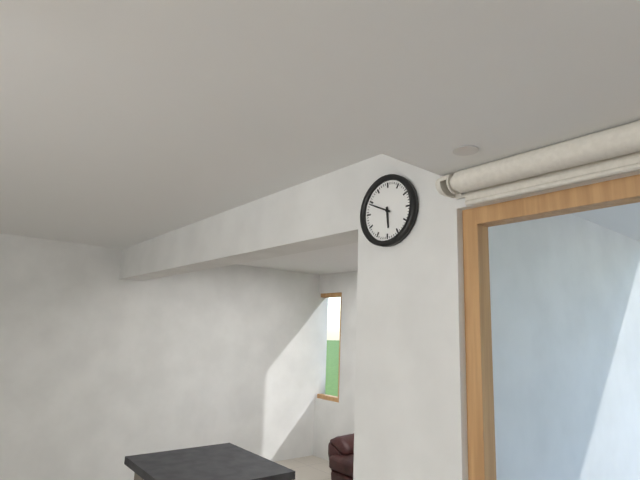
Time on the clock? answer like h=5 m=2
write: h=5 m=49
